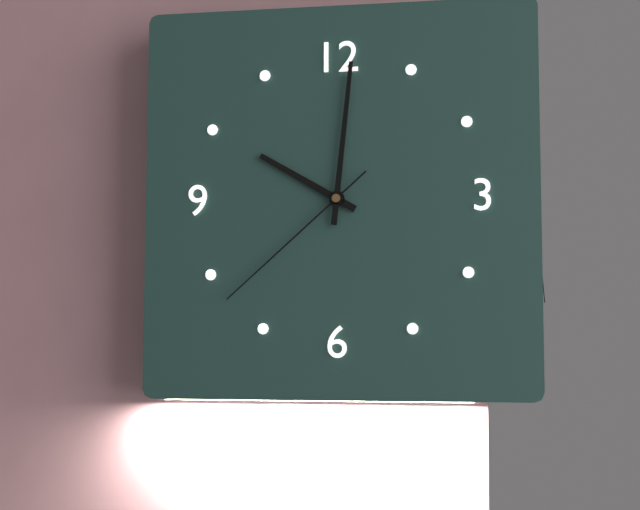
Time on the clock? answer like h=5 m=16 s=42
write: h=10 m=1 s=38
